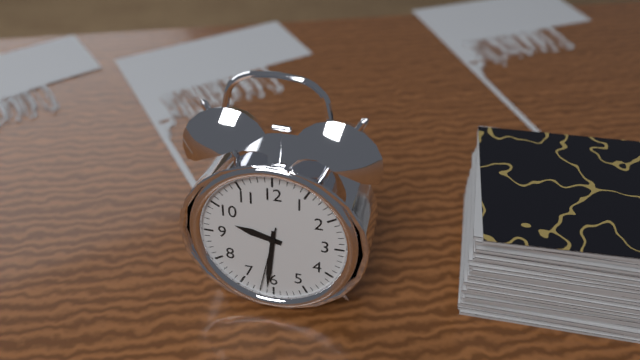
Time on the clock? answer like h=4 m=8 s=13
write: h=9 m=31 s=32
